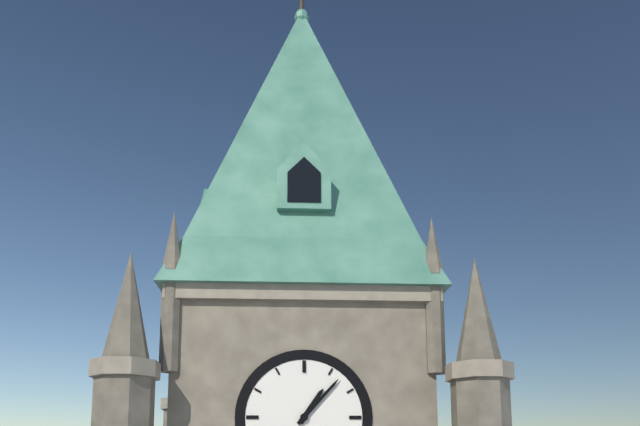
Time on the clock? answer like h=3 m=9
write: h=1 m=7
